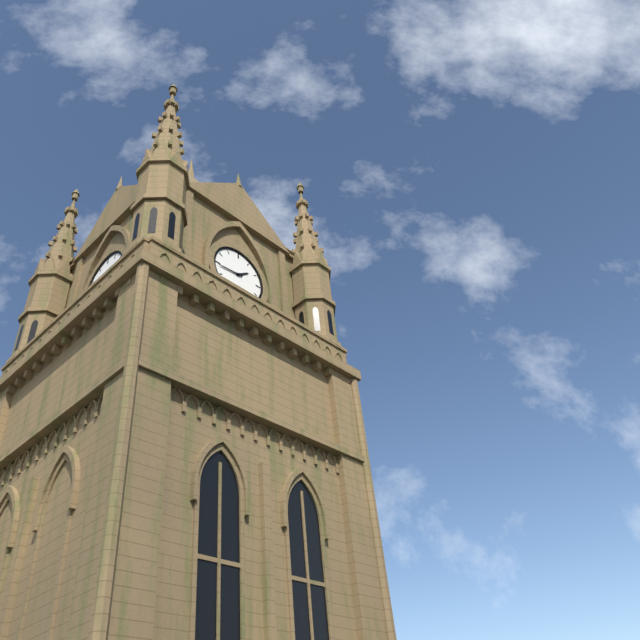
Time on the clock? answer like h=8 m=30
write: h=1 m=44
